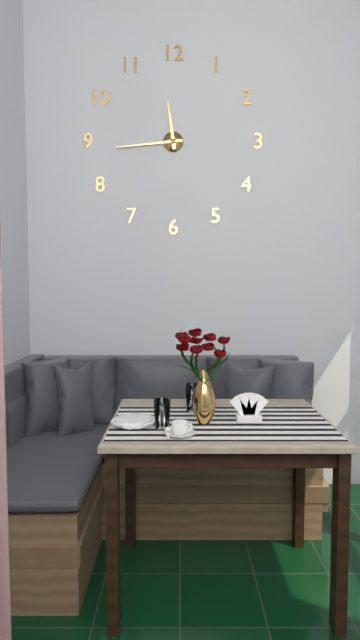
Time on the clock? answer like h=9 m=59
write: h=11 m=44
